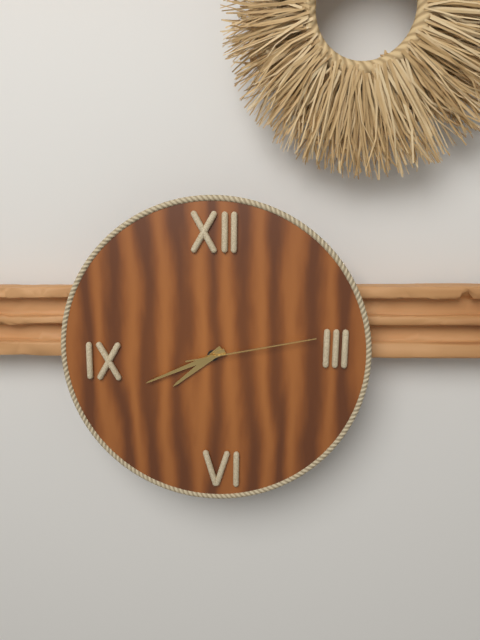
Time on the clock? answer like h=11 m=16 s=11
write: h=7 m=41 s=13
